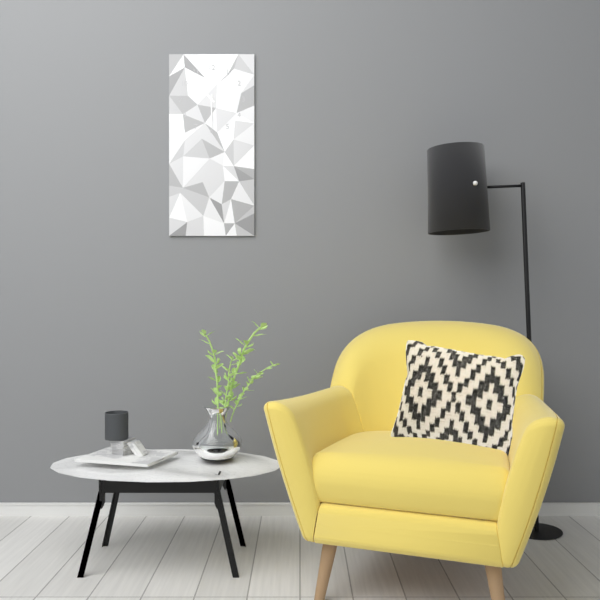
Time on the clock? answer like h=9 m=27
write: h=10 m=30
